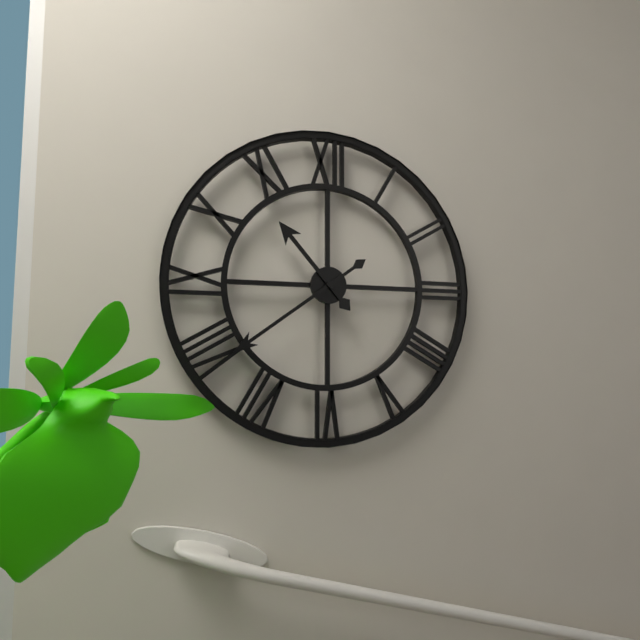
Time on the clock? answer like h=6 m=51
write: h=10 m=39
